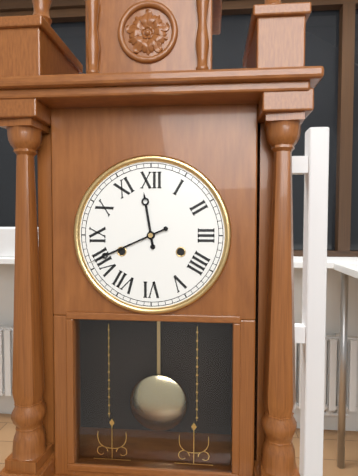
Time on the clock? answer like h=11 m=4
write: h=11 m=41
